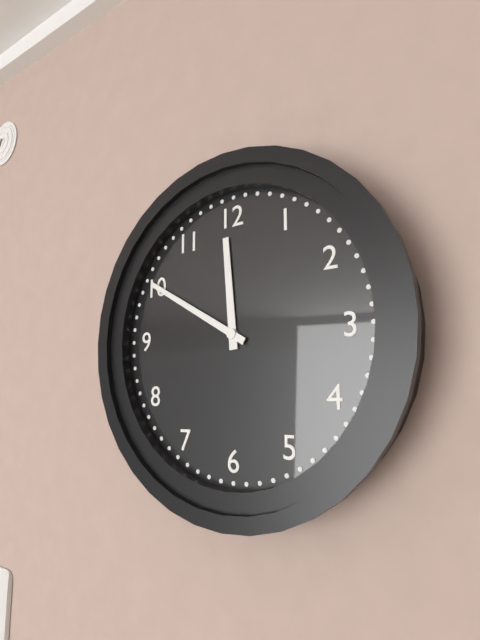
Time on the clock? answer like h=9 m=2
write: h=11 m=50
